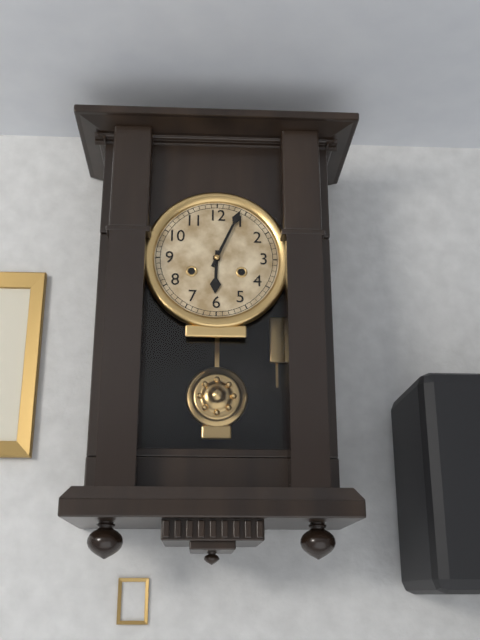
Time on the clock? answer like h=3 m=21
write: h=6 m=4
